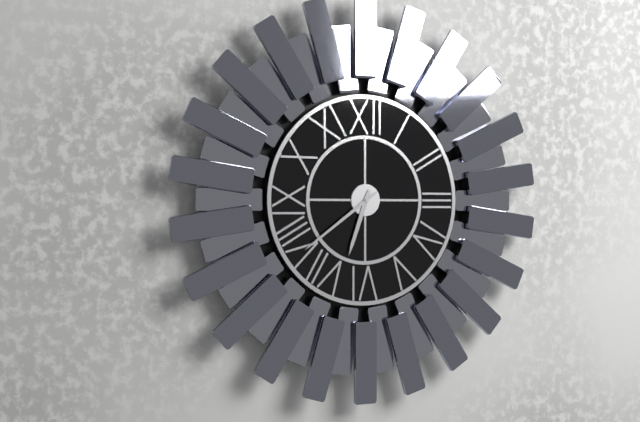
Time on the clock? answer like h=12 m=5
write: h=6 m=39
